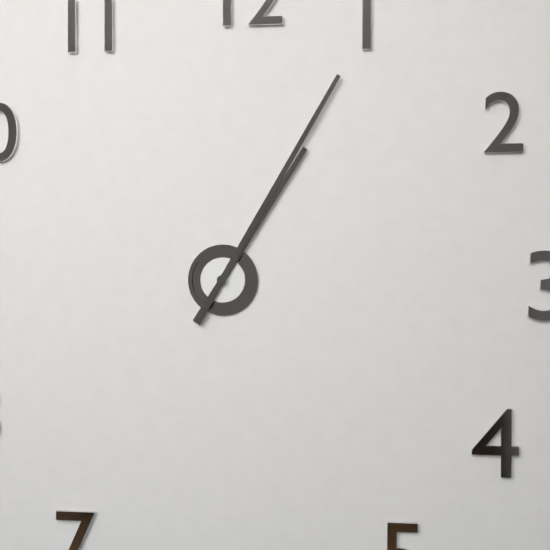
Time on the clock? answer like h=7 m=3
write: h=1 m=5
